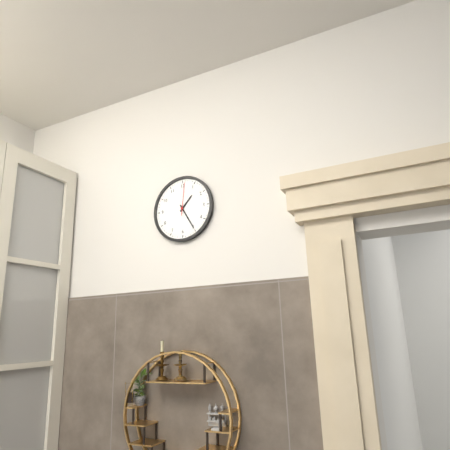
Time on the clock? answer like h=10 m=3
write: h=1 m=25
